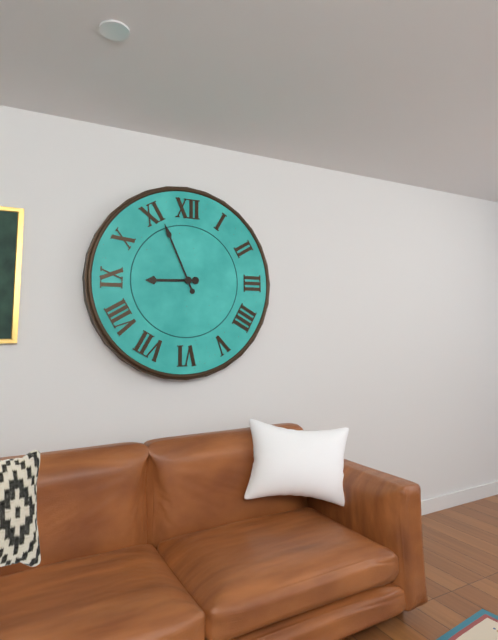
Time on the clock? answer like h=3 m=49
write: h=8 m=56
